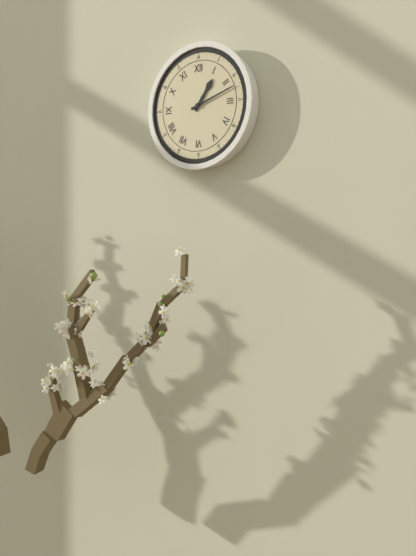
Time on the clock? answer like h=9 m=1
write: h=1 m=12
